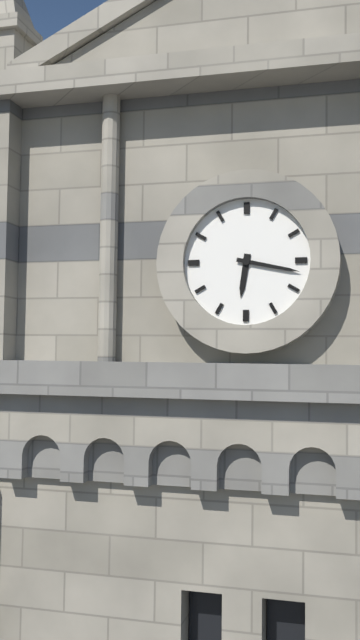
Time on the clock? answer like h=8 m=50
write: h=6 m=17
